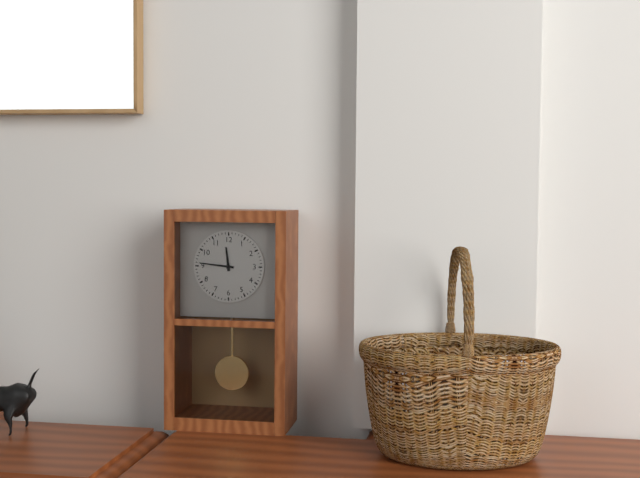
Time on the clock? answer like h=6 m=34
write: h=11 m=46
